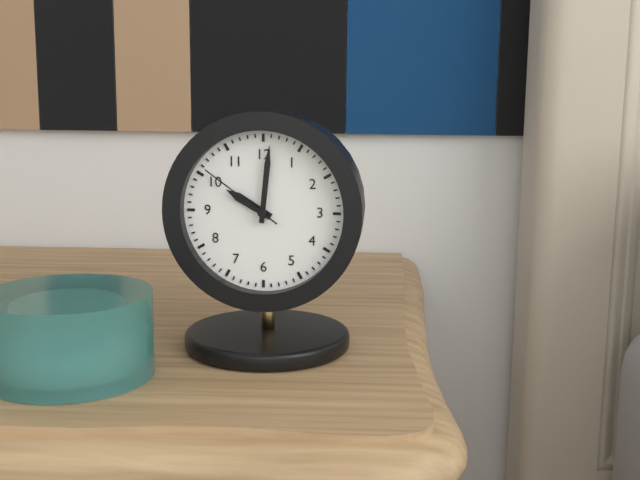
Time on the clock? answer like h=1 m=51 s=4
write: h=10 m=1 s=51
